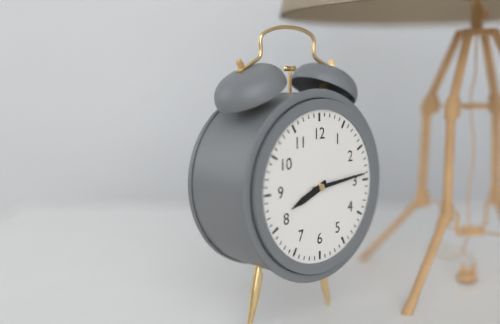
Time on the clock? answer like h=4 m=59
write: h=8 m=14
